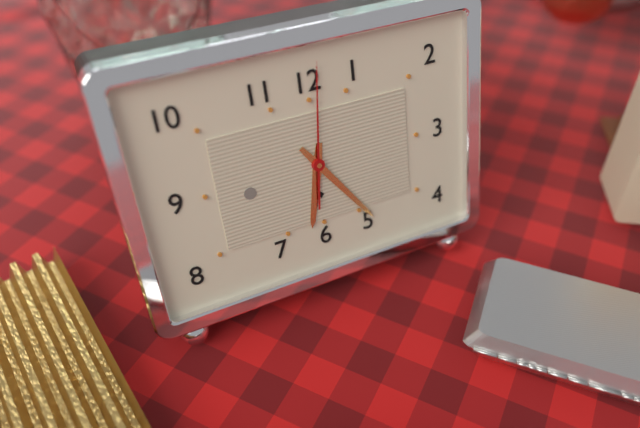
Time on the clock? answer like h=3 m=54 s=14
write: h=6 m=24 s=1
